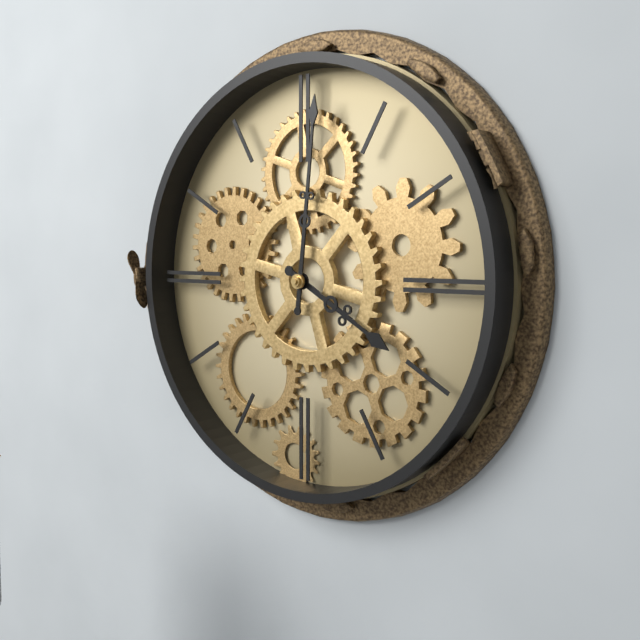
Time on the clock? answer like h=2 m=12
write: h=4 m=1
